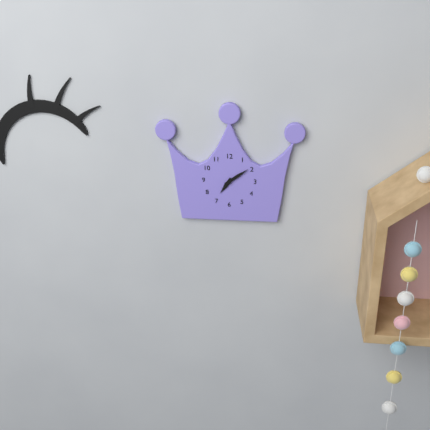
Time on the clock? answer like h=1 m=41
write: h=7 m=9
